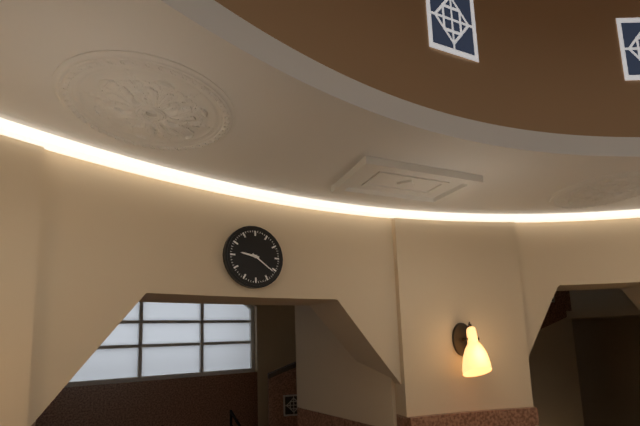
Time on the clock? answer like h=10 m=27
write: h=9 m=21
